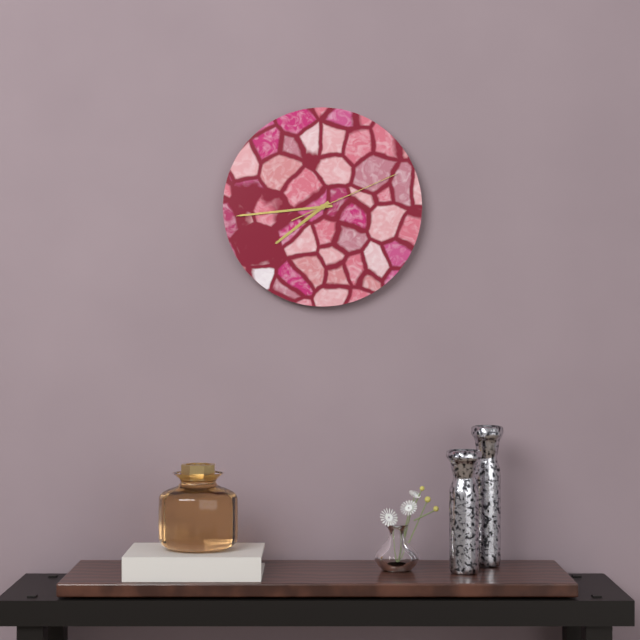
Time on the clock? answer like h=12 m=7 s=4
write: h=7 m=44 s=11
